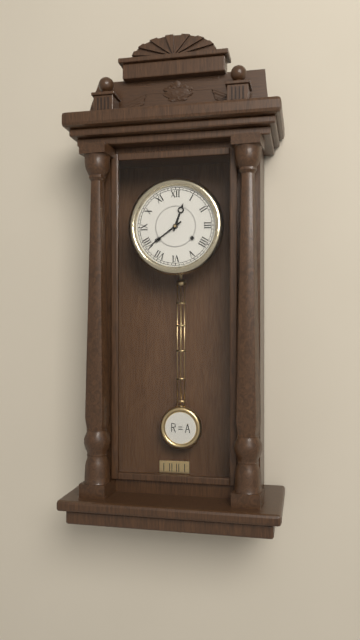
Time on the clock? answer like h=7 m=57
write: h=12 m=39
